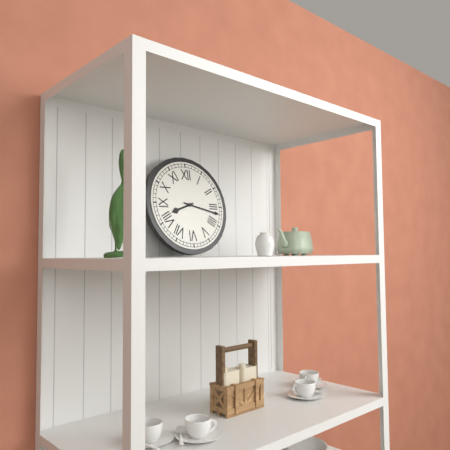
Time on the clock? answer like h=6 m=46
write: h=8 m=17
